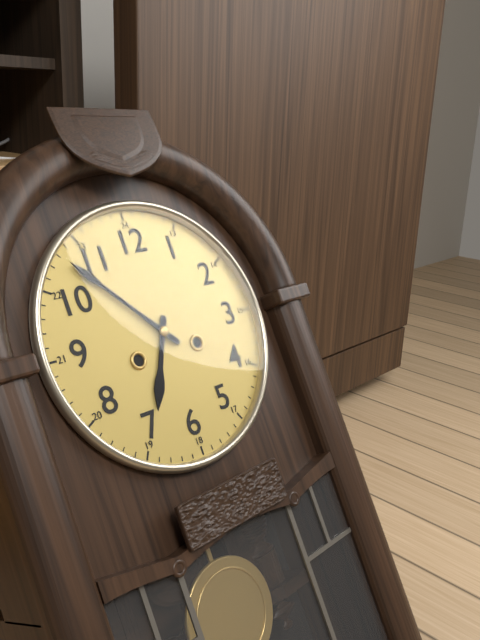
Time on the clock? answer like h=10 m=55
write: h=6 m=53
